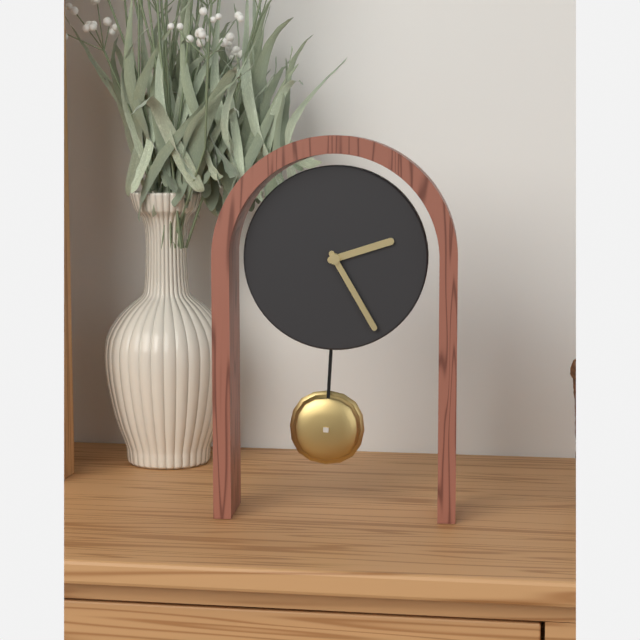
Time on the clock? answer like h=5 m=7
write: h=2 m=25
